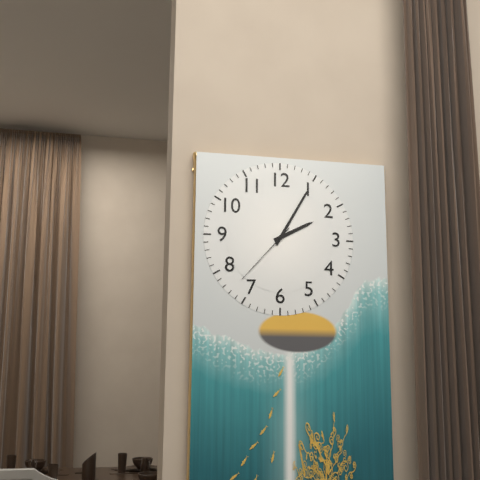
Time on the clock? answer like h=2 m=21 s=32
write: h=2 m=5 s=37
